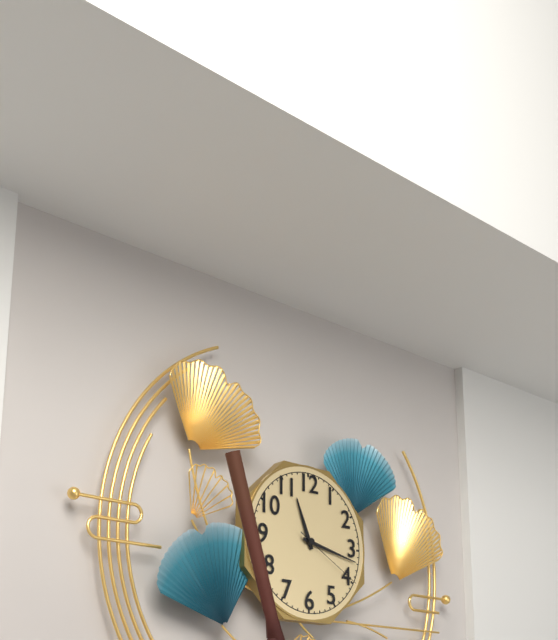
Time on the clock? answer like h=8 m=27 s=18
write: h=11 m=17 s=20
